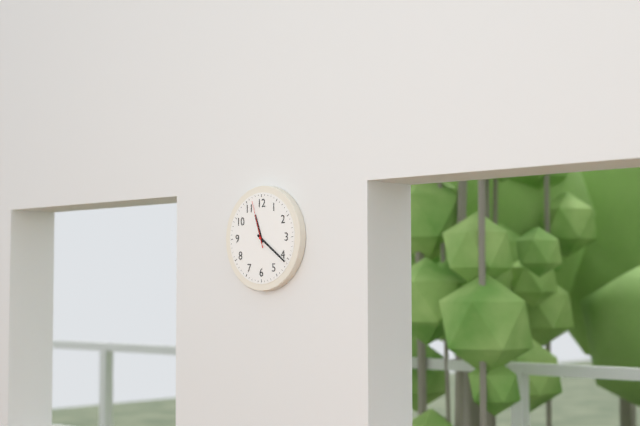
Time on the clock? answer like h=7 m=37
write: h=11 m=21
